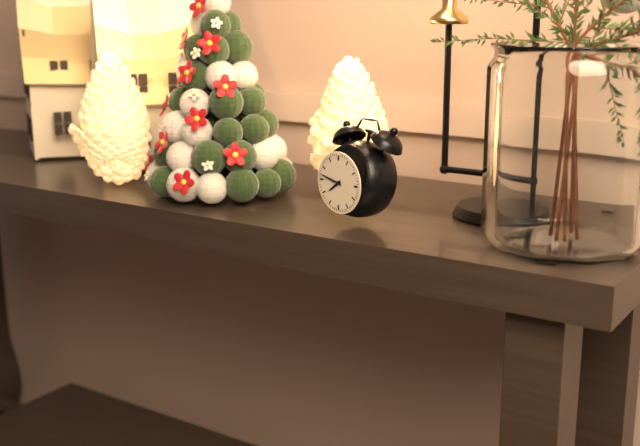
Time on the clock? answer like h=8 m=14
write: h=7 m=47
